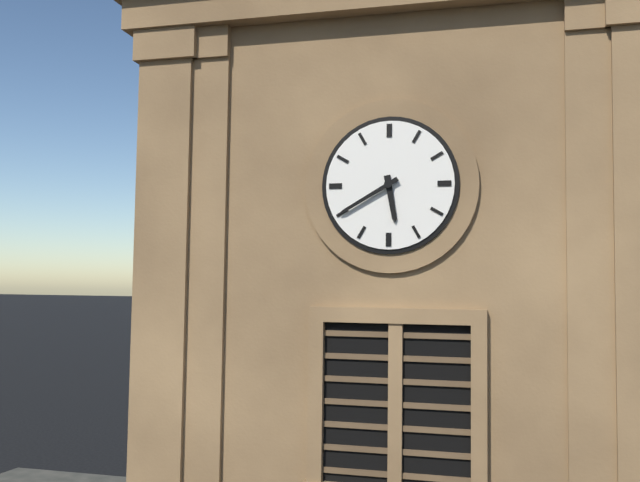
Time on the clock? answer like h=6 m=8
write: h=5 m=40
